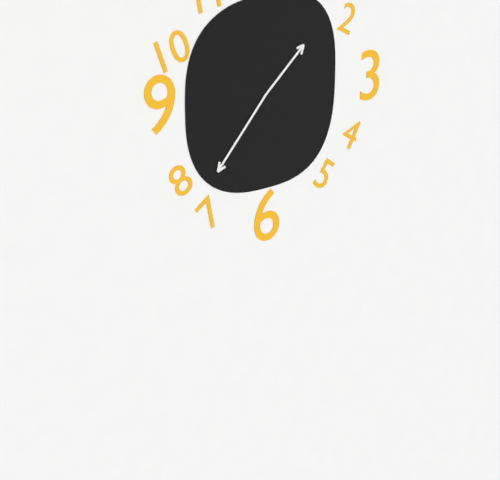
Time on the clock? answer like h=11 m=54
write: h=1 m=37
